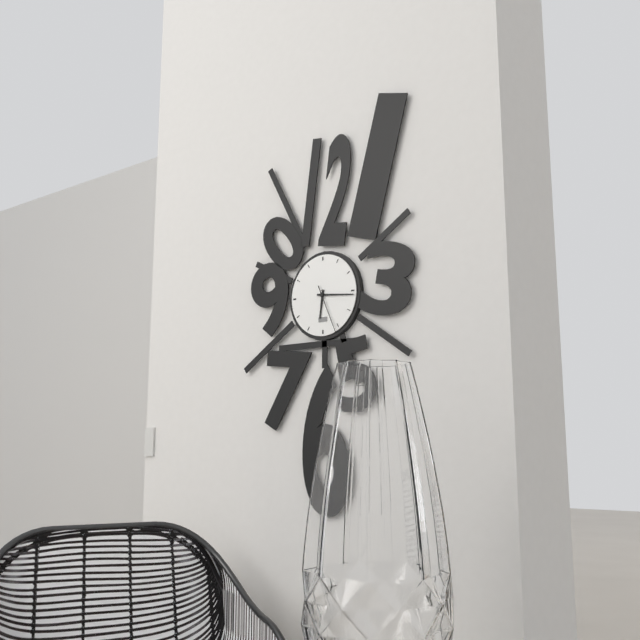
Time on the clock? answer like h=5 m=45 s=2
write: h=6 m=16 s=26
